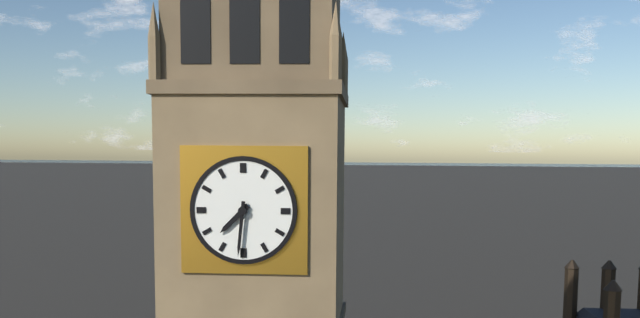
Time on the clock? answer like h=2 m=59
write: h=7 m=31
